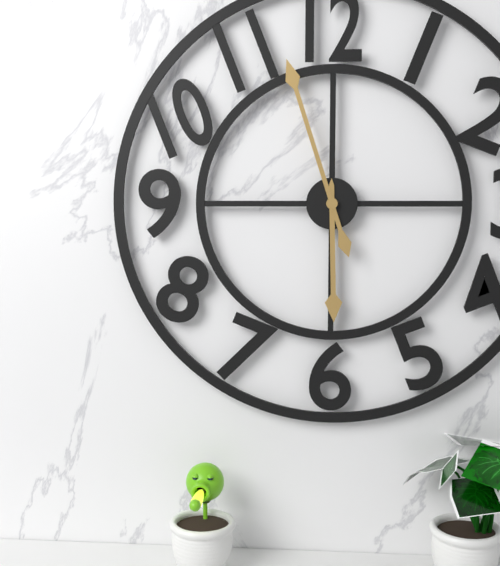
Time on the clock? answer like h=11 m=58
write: h=5 m=57
